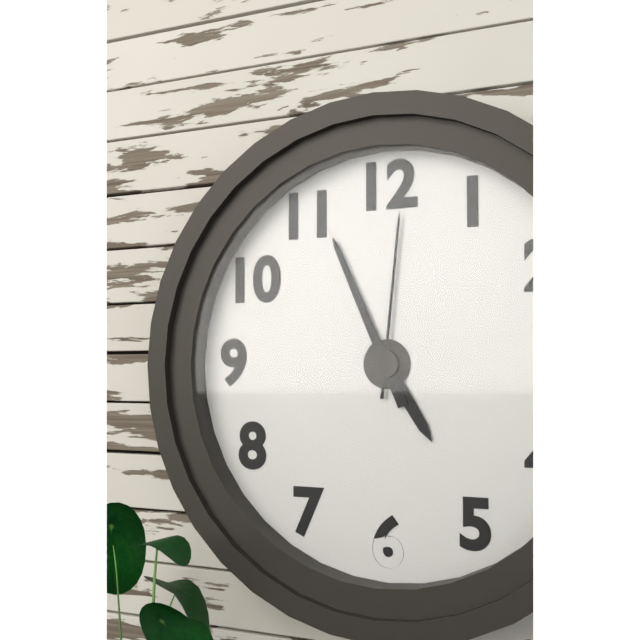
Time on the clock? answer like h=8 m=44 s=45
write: h=4 m=56 s=1
